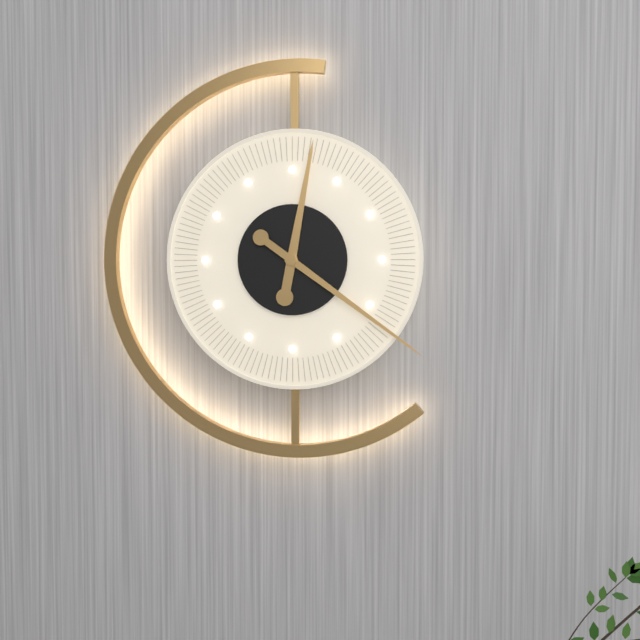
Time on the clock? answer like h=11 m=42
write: h=12 m=21
